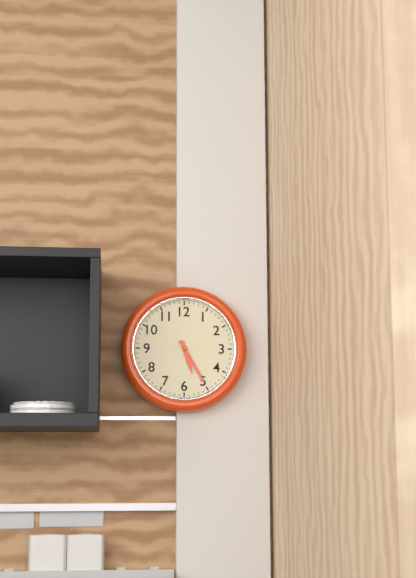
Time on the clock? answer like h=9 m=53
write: h=5 m=25
